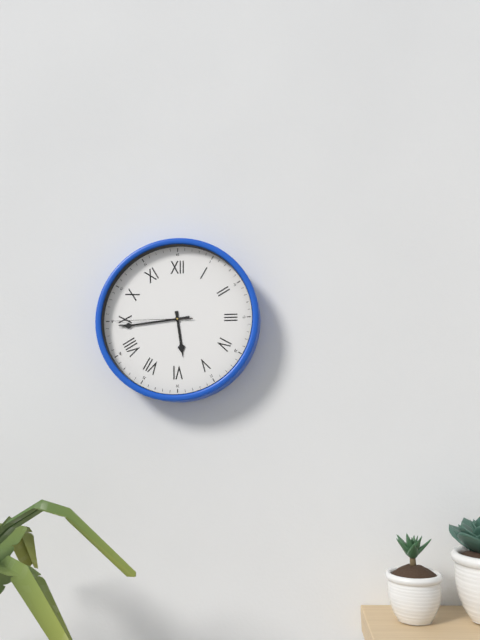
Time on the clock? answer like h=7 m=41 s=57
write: h=5 m=44 s=45
